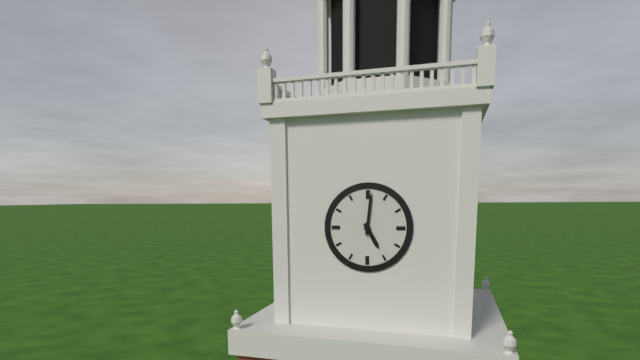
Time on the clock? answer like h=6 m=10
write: h=5 m=1
